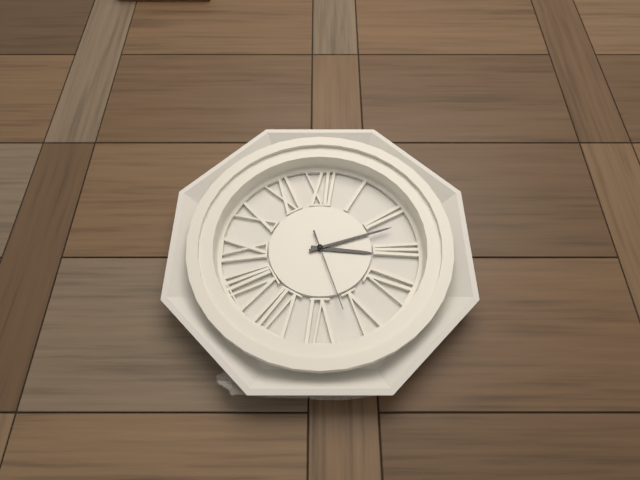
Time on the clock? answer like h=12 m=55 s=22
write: h=3 m=12 s=27
